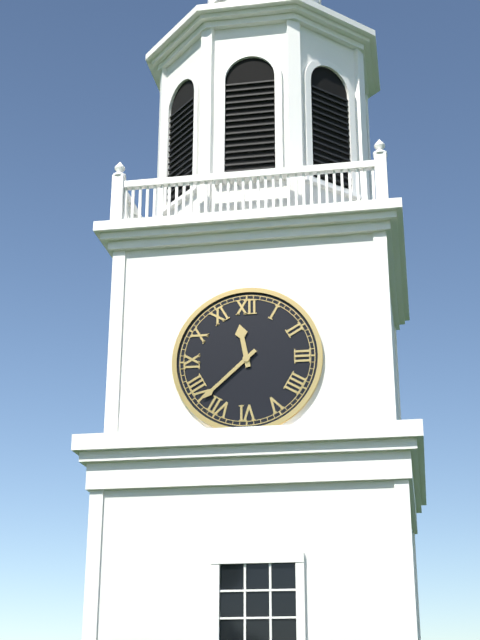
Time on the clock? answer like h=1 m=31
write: h=11 m=38
